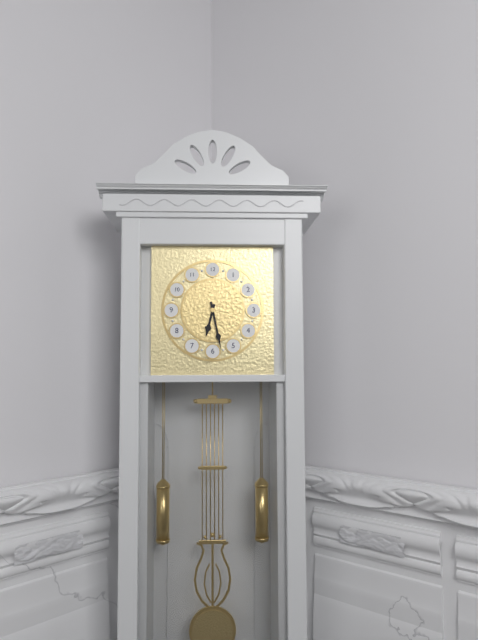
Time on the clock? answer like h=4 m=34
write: h=6 m=28
